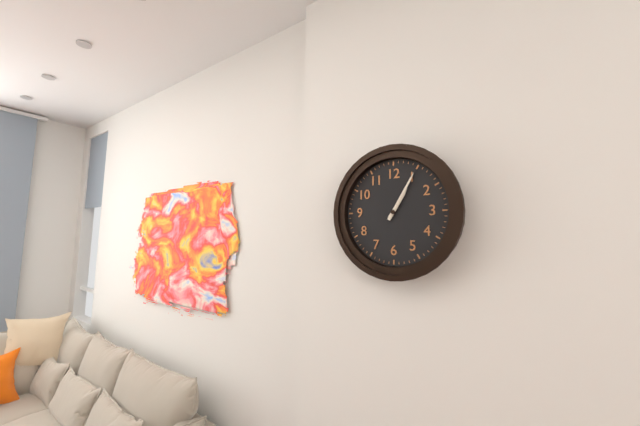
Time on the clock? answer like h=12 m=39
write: h=1 m=5
